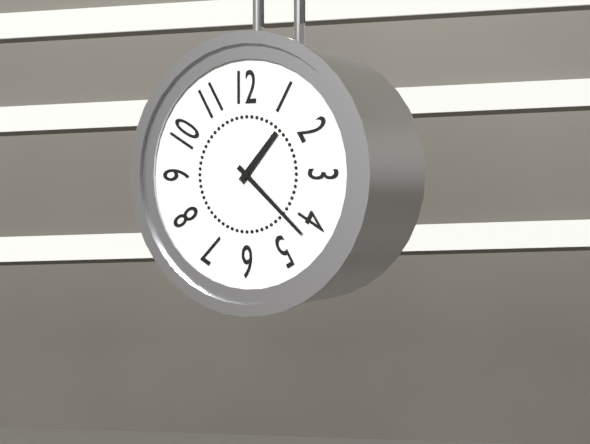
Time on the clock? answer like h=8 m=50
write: h=1 m=22
